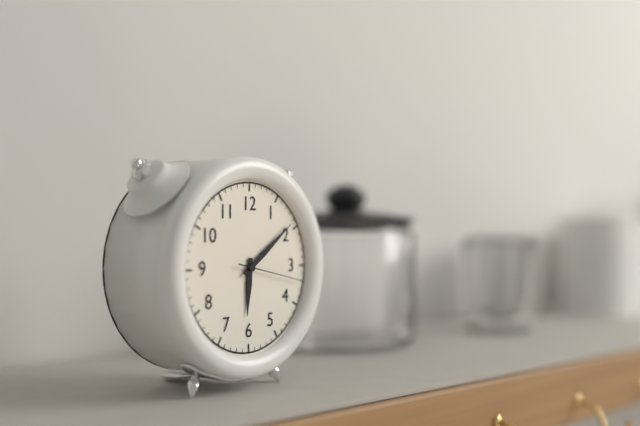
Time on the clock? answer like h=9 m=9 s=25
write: h=6 m=9 s=17
